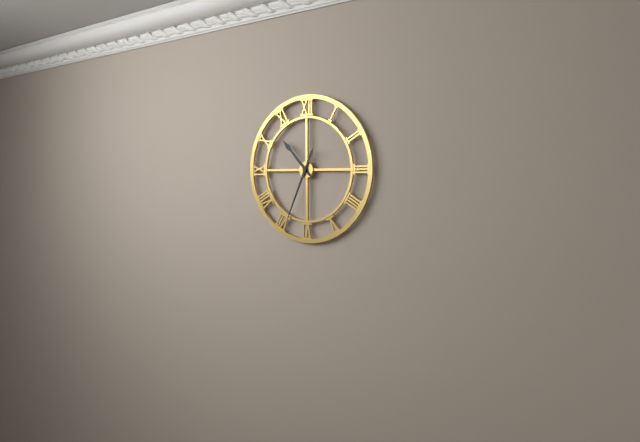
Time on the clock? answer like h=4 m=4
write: h=10 m=34
